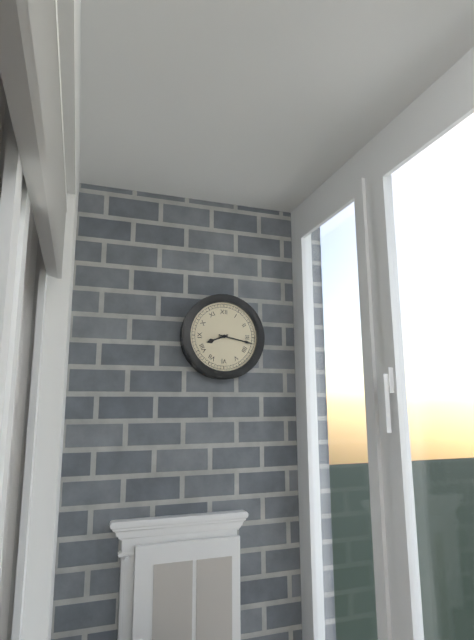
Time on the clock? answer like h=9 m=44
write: h=8 m=17
